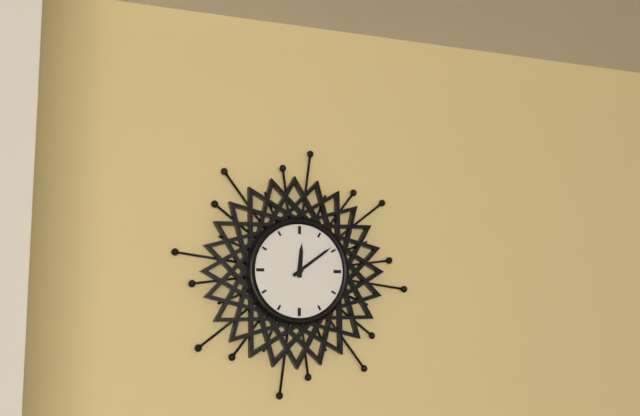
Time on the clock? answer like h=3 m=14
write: h=12 m=9
